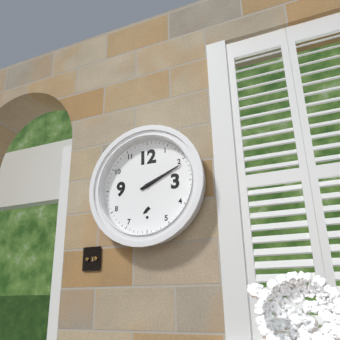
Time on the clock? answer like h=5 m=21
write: h=2 m=11
